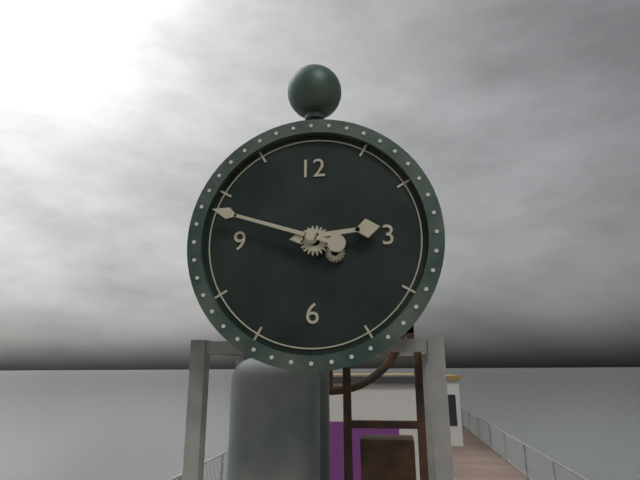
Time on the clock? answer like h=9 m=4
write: h=2 m=48
